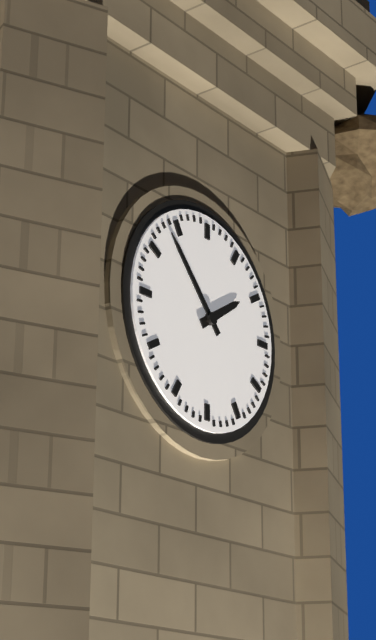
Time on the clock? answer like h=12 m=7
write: h=1 m=53
